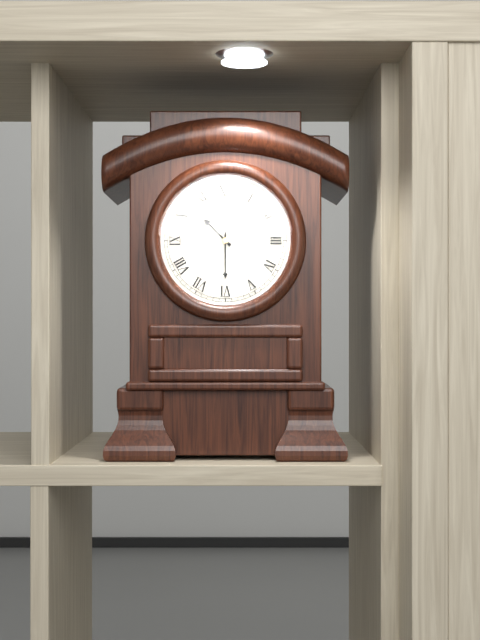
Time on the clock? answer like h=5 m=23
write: h=10 m=30
